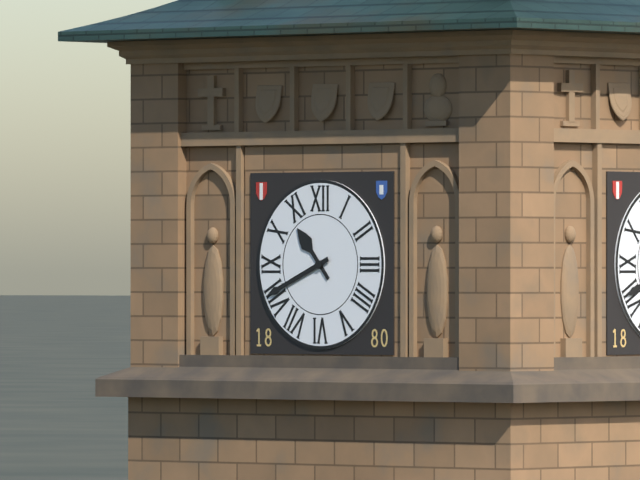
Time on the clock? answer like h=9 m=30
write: h=10 m=41
